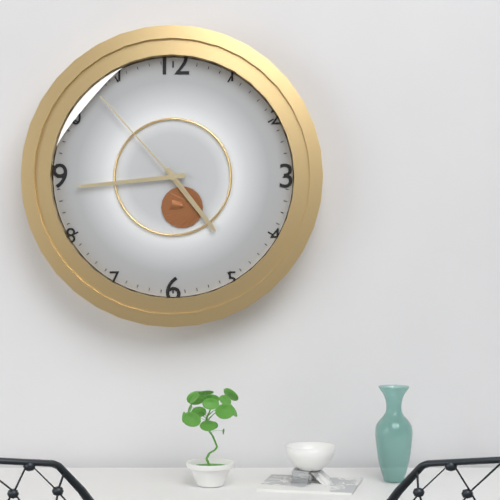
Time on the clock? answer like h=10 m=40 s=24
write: h=4 m=44 s=53
